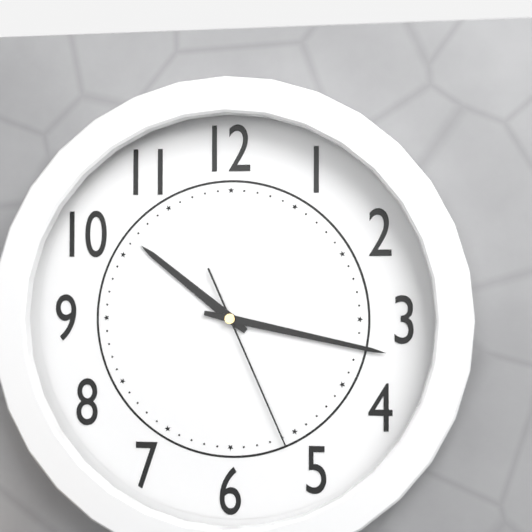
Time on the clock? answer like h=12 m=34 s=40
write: h=10 m=17 s=26
